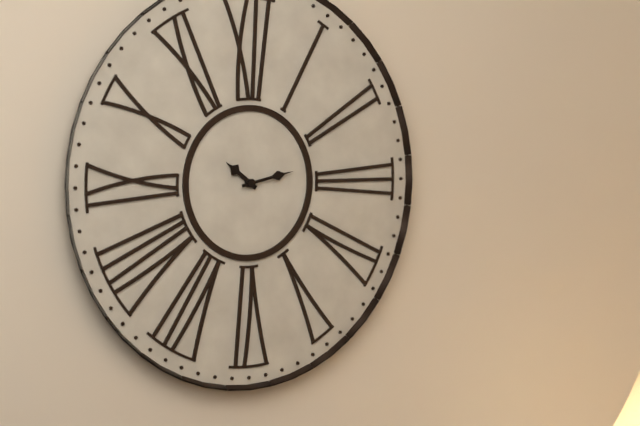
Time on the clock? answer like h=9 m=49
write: h=10 m=13
